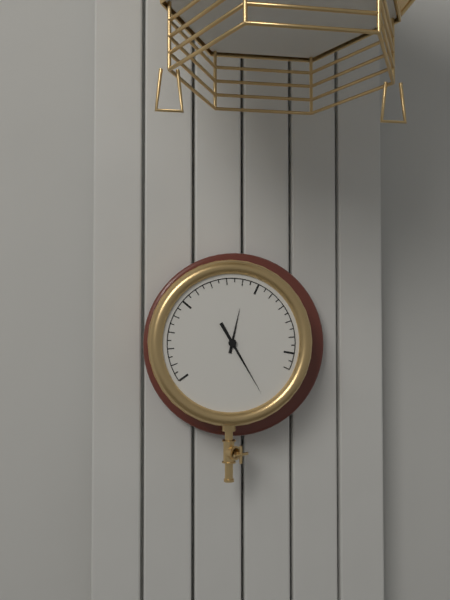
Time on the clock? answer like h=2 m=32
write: h=12 m=25
